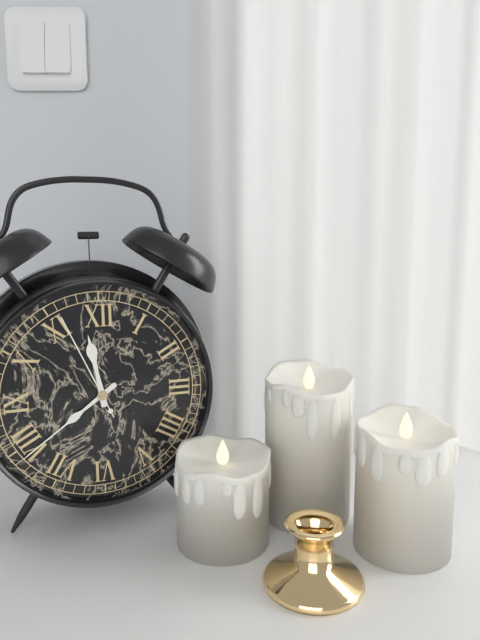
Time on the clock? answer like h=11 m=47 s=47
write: h=11 m=39 s=56
